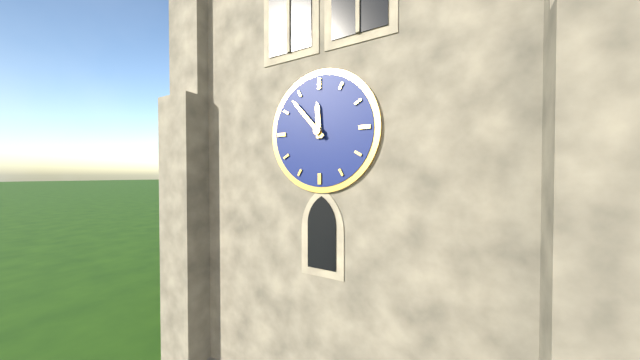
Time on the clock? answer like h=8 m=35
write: h=11 m=53
